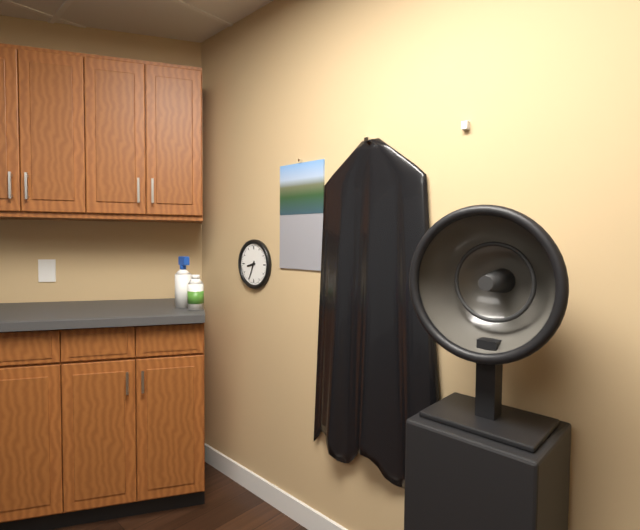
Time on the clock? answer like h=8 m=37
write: h=8 m=34
